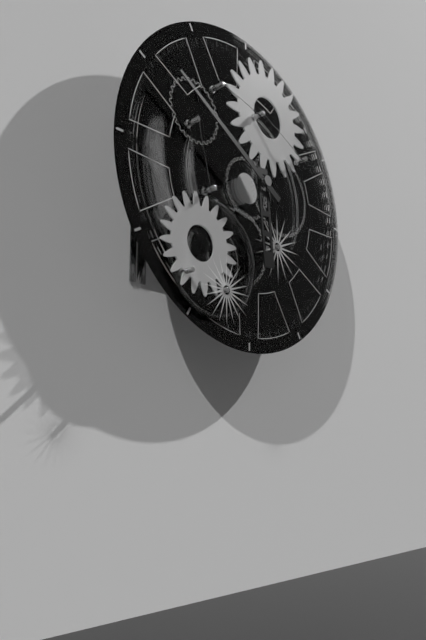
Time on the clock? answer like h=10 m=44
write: h=5 m=50
